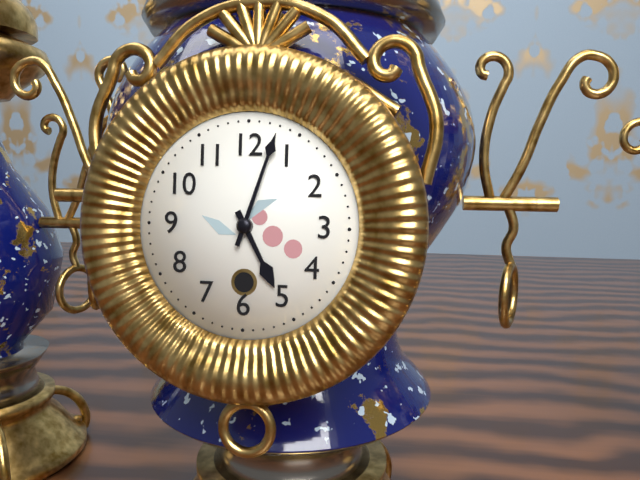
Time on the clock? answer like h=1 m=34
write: h=5 m=3
